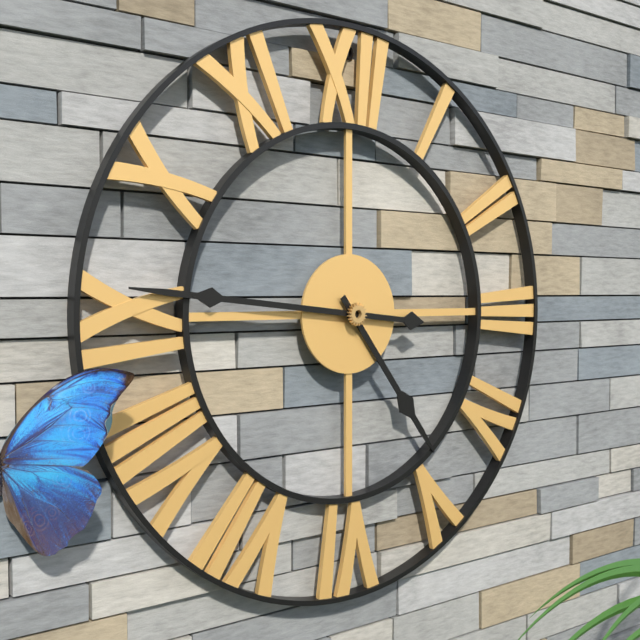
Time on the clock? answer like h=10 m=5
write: h=4 m=46
